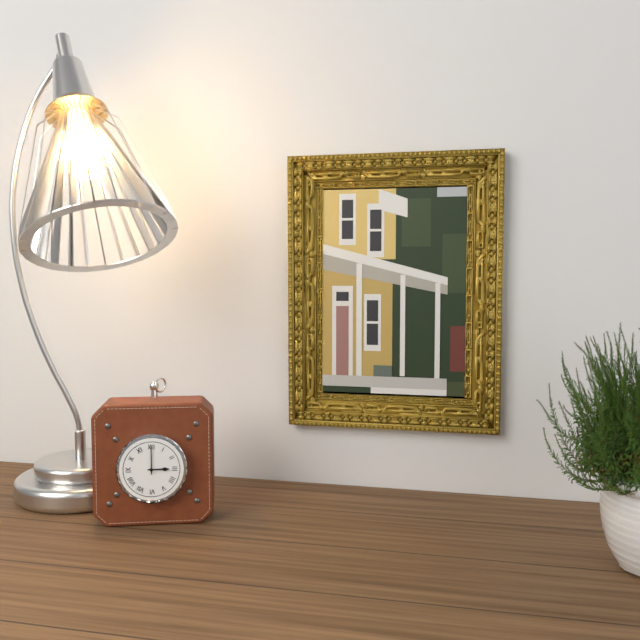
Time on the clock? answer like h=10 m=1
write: h=3 m=0
